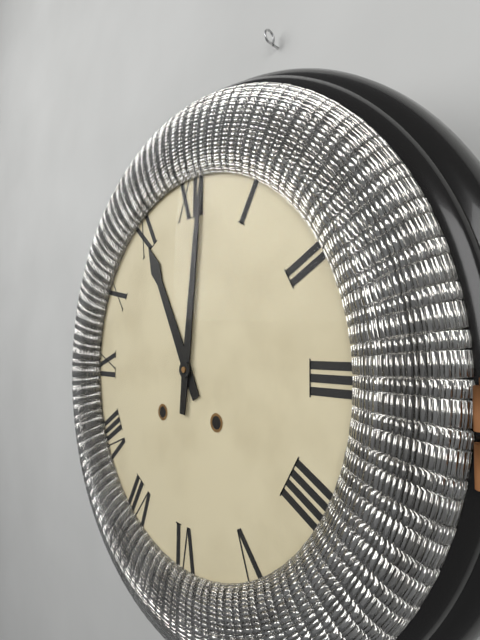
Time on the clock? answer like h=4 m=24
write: h=11 m=1
